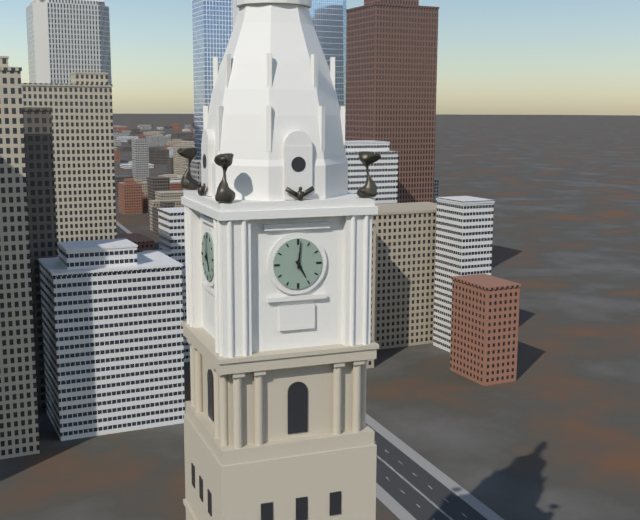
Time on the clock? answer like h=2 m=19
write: h=5 m=1
